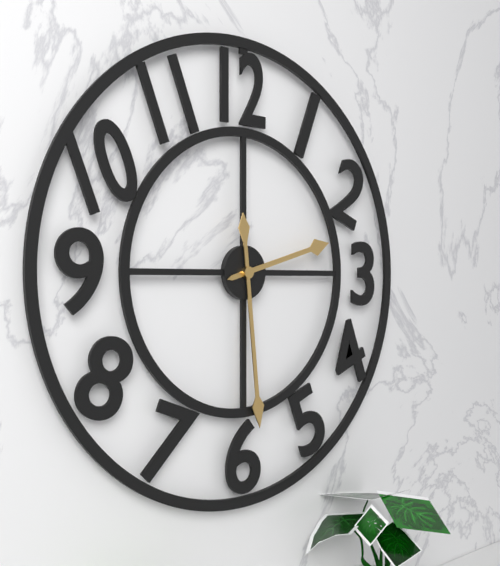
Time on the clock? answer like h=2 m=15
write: h=2 m=29
